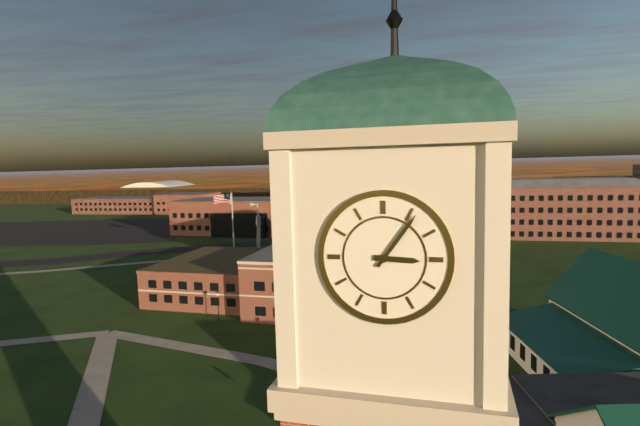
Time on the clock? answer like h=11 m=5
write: h=3 m=6
